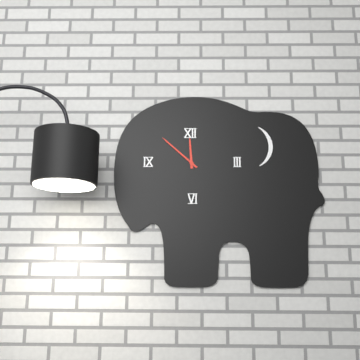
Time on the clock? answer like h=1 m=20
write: h=11 m=52
